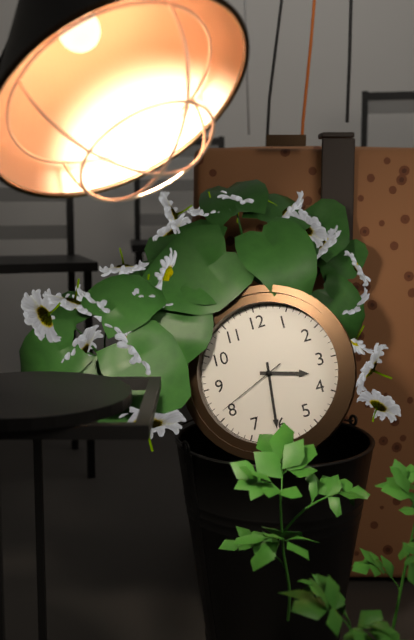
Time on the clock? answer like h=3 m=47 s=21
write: h=3 m=31 s=41
